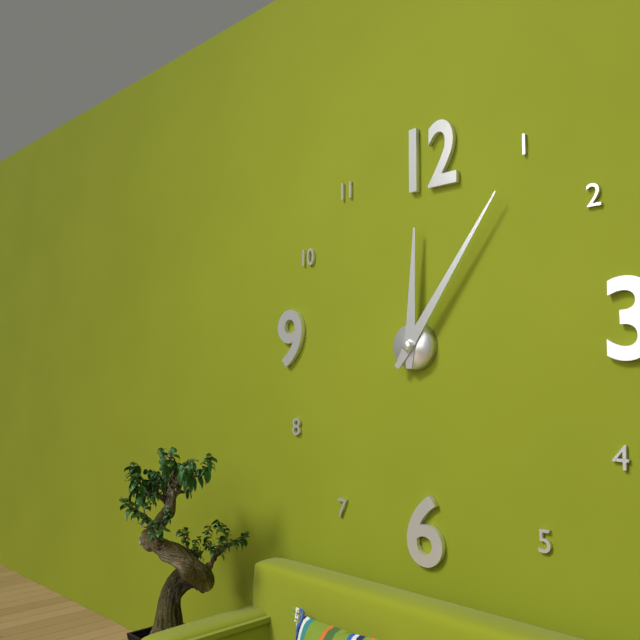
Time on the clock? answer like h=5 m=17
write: h=12 m=6
